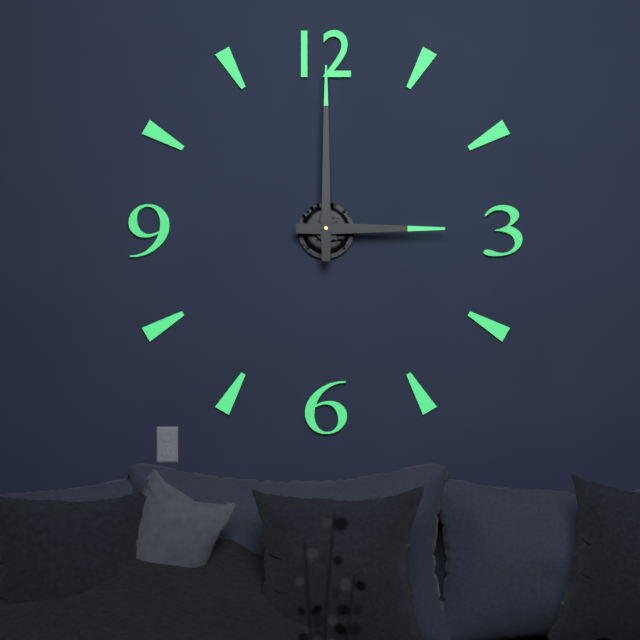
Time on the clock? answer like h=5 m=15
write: h=3 m=0
